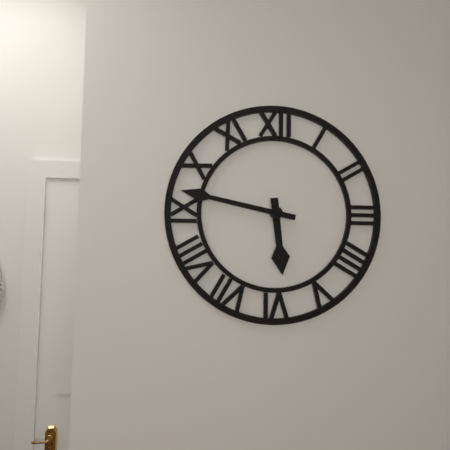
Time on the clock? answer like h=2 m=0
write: h=5 m=47
